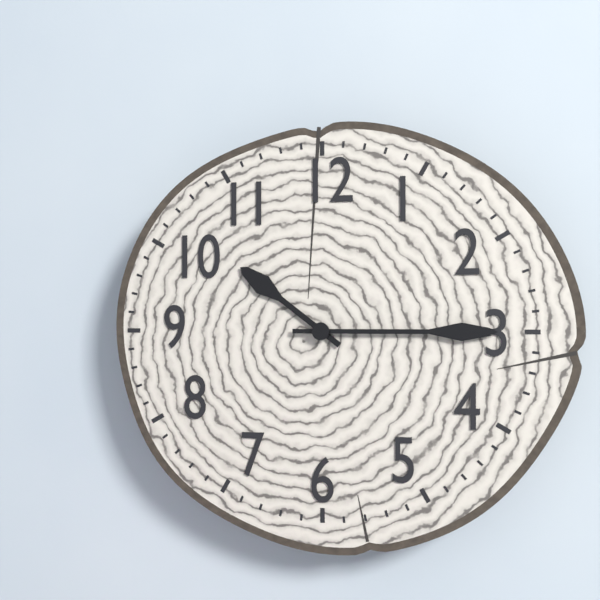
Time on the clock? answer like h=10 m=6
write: h=10 m=15
